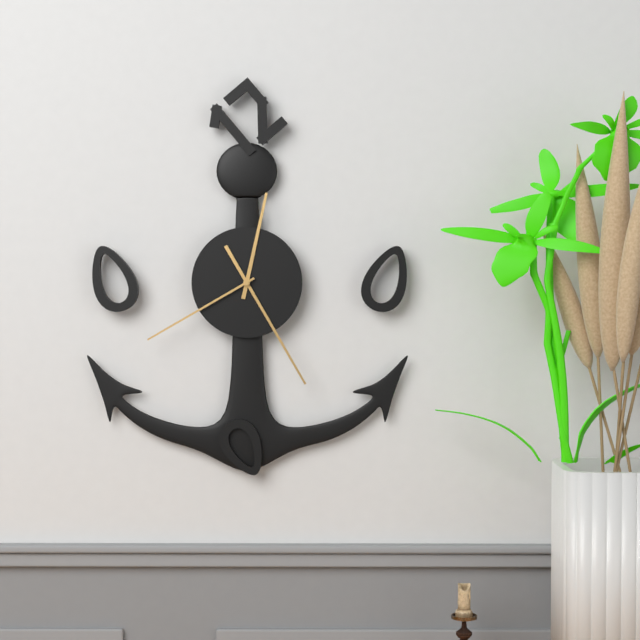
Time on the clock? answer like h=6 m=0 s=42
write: h=12 m=25 s=40
